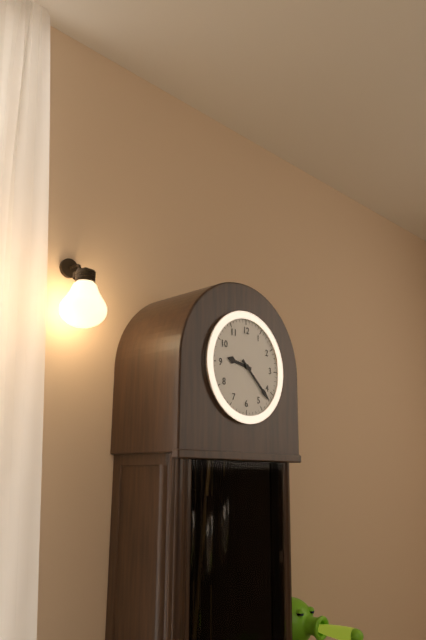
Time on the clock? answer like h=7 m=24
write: h=9 m=22
